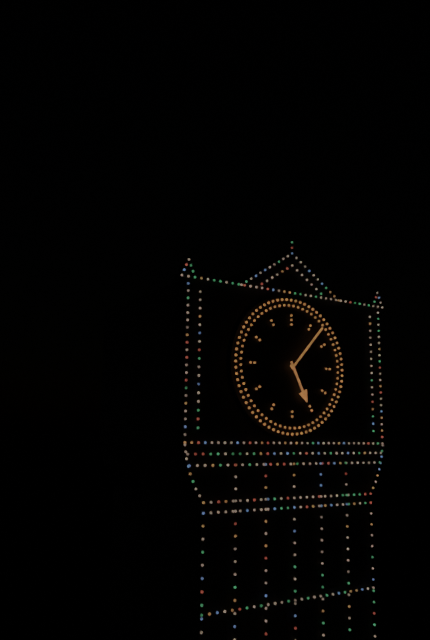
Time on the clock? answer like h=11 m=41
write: h=5 m=7
